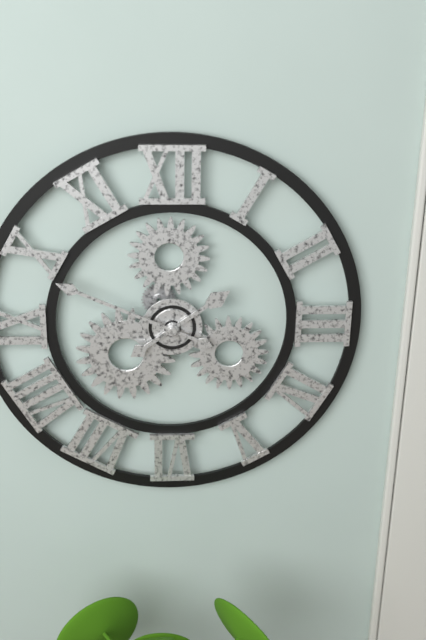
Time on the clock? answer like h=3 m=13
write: h=1 m=49
